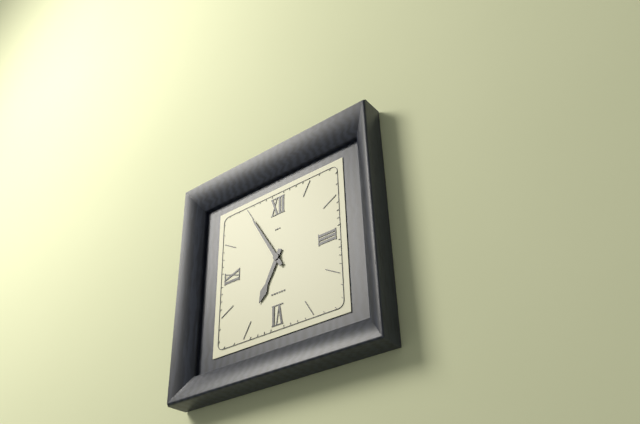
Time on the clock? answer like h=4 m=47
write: h=6 m=55
